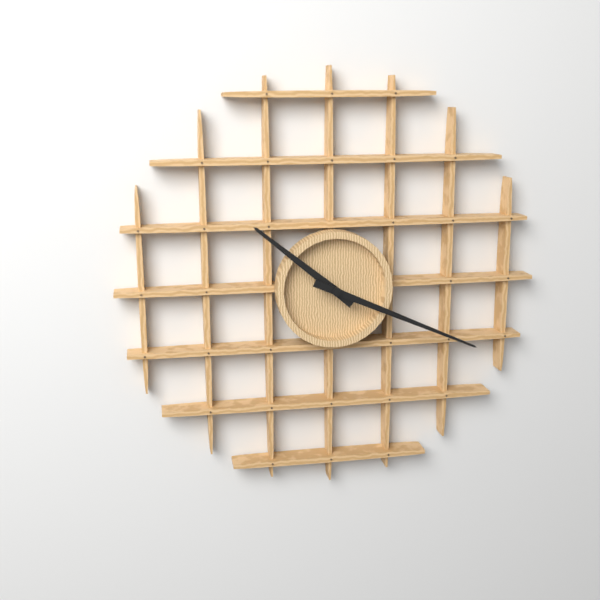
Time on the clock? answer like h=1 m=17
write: h=10 m=19
